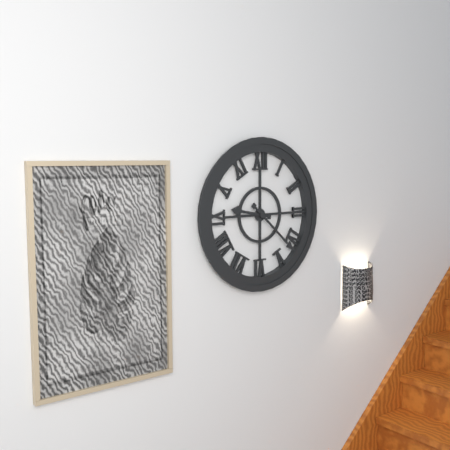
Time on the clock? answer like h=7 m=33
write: h=9 m=22
